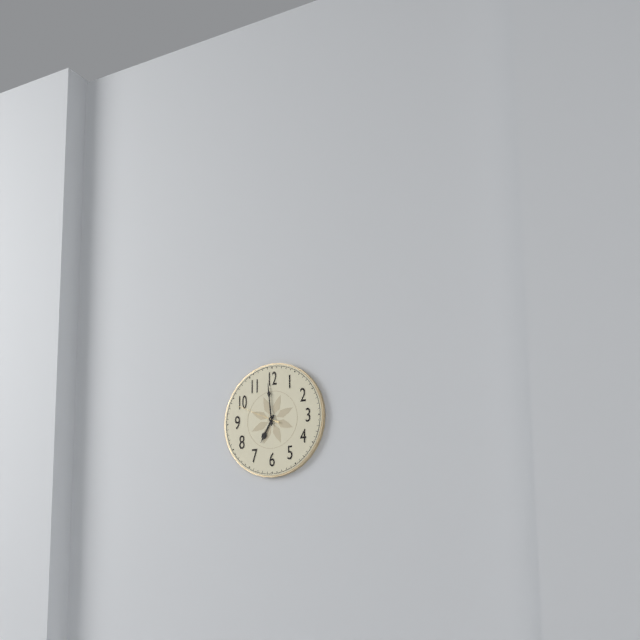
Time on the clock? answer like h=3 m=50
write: h=6 m=59
